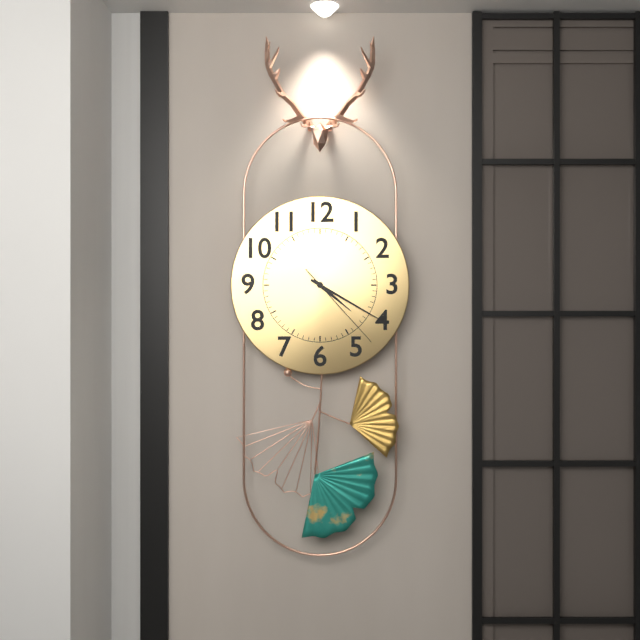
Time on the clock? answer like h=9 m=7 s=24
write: h=4 m=20 s=23
